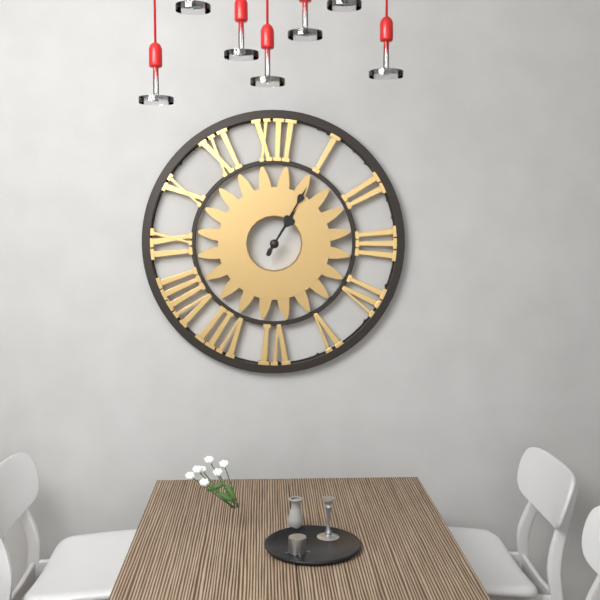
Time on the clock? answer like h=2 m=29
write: h=1 m=5
